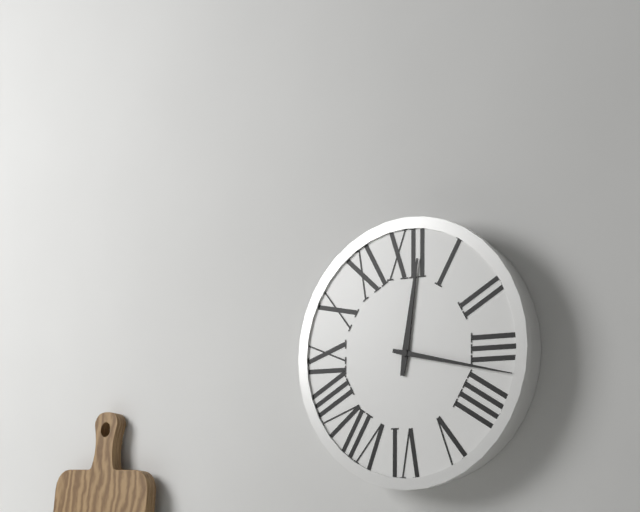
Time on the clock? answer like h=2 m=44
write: h=12 m=17
